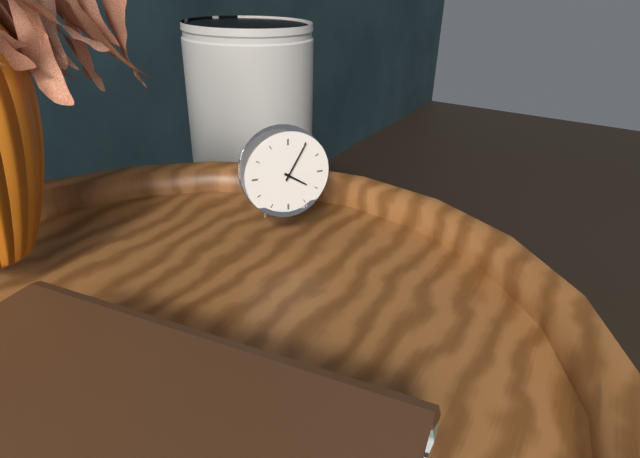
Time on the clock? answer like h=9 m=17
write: h=4 m=5
